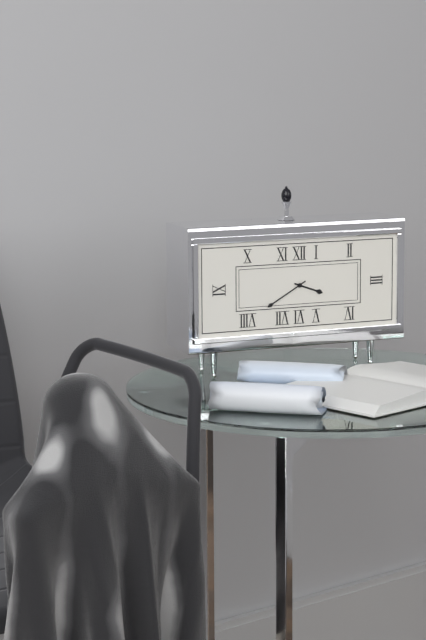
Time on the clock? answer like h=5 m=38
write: h=3 m=40
